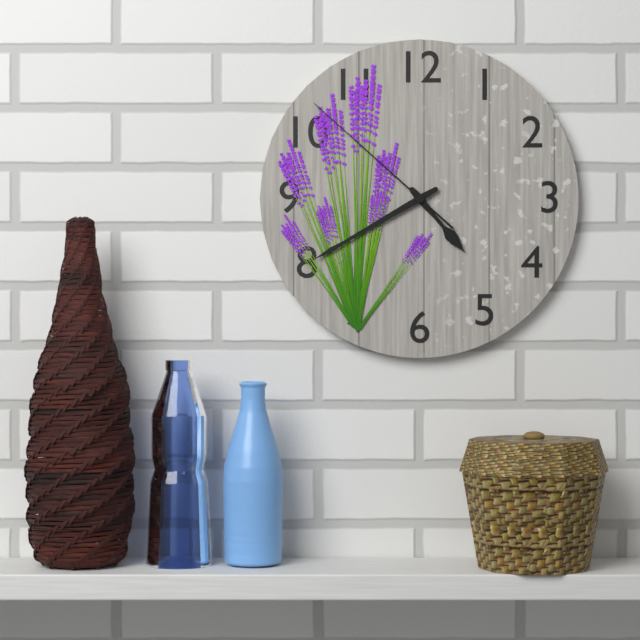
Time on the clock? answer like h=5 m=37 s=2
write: h=4 m=40 s=52
